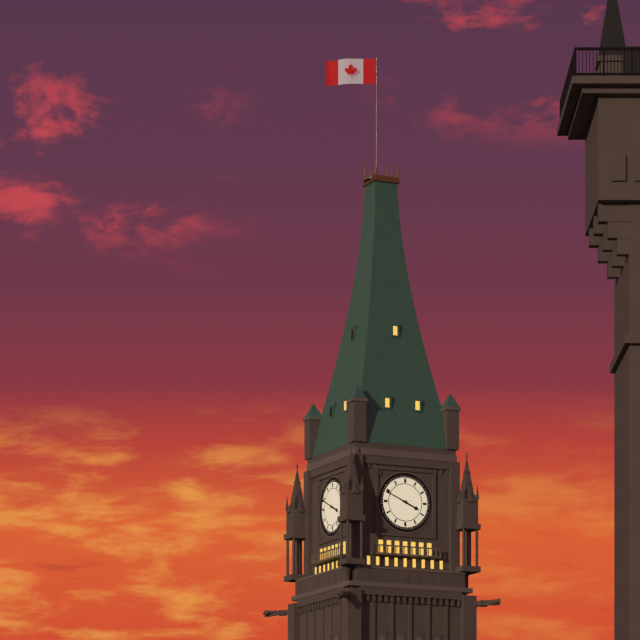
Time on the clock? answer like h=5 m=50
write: h=3 m=49
